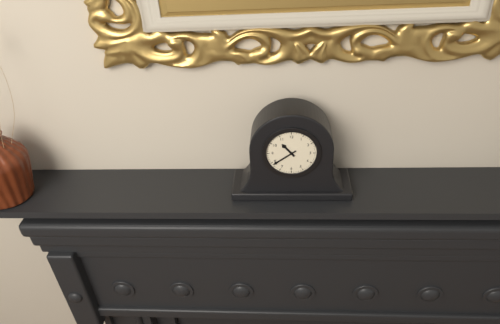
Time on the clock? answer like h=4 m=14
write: h=10 m=39
